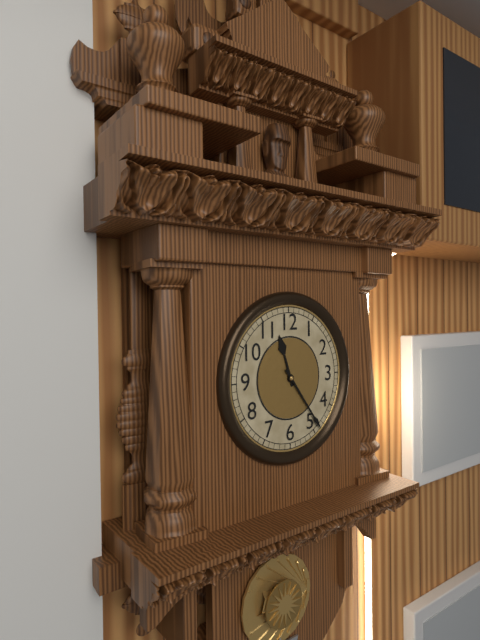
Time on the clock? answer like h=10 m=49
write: h=11 m=24
